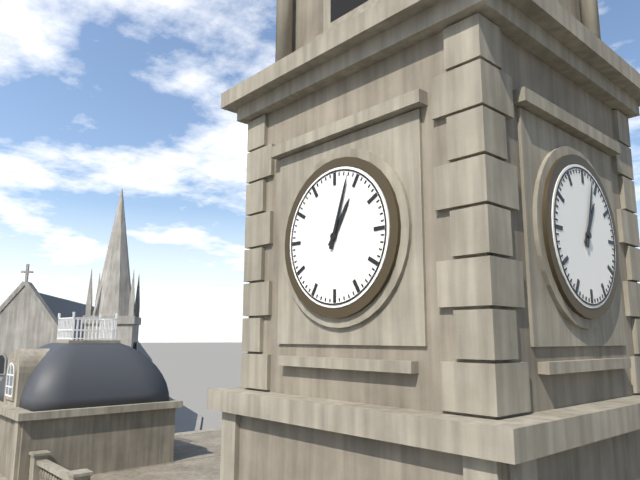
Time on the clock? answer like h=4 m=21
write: h=1 m=3
